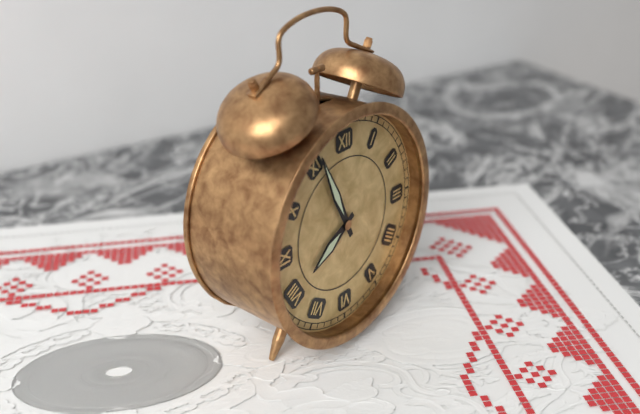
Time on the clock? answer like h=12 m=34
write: h=7 m=56
